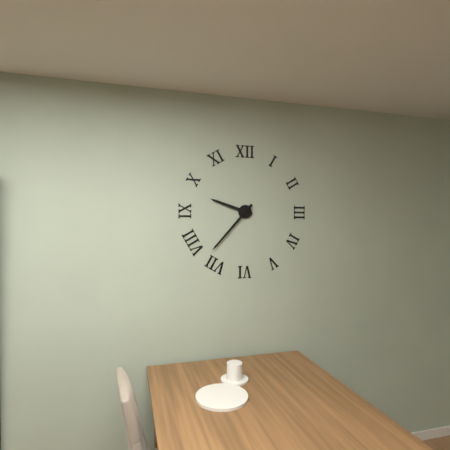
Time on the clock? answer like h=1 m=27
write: h=9 m=37
